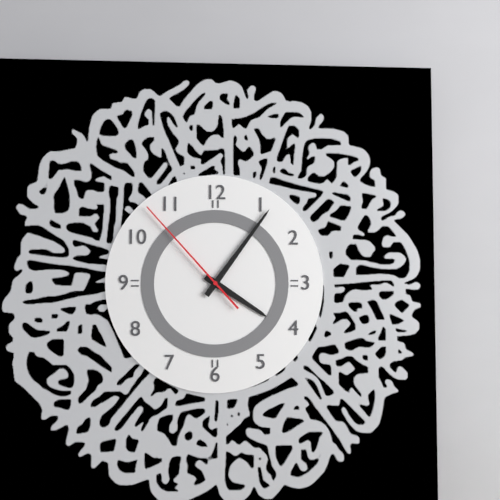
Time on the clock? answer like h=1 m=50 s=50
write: h=4 m=6 s=53
